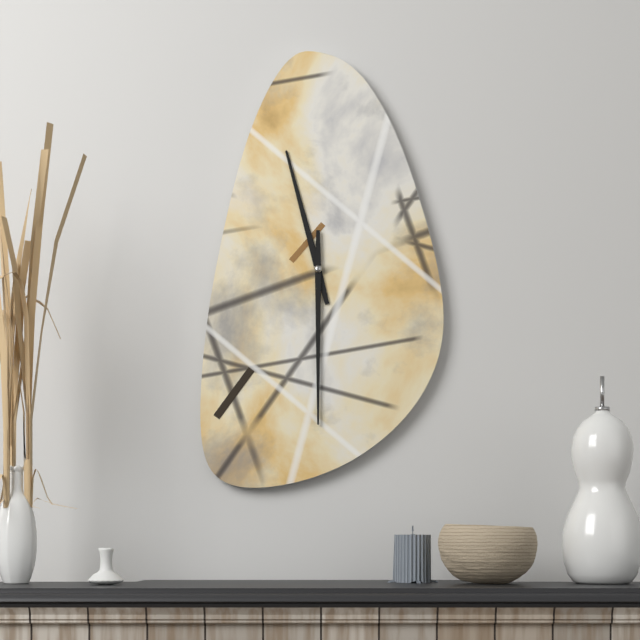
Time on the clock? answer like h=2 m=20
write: h=11 m=30
